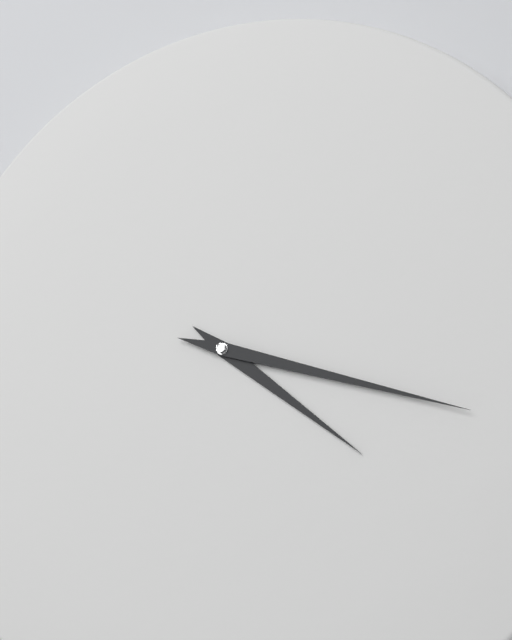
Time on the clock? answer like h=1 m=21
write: h=4 m=18
